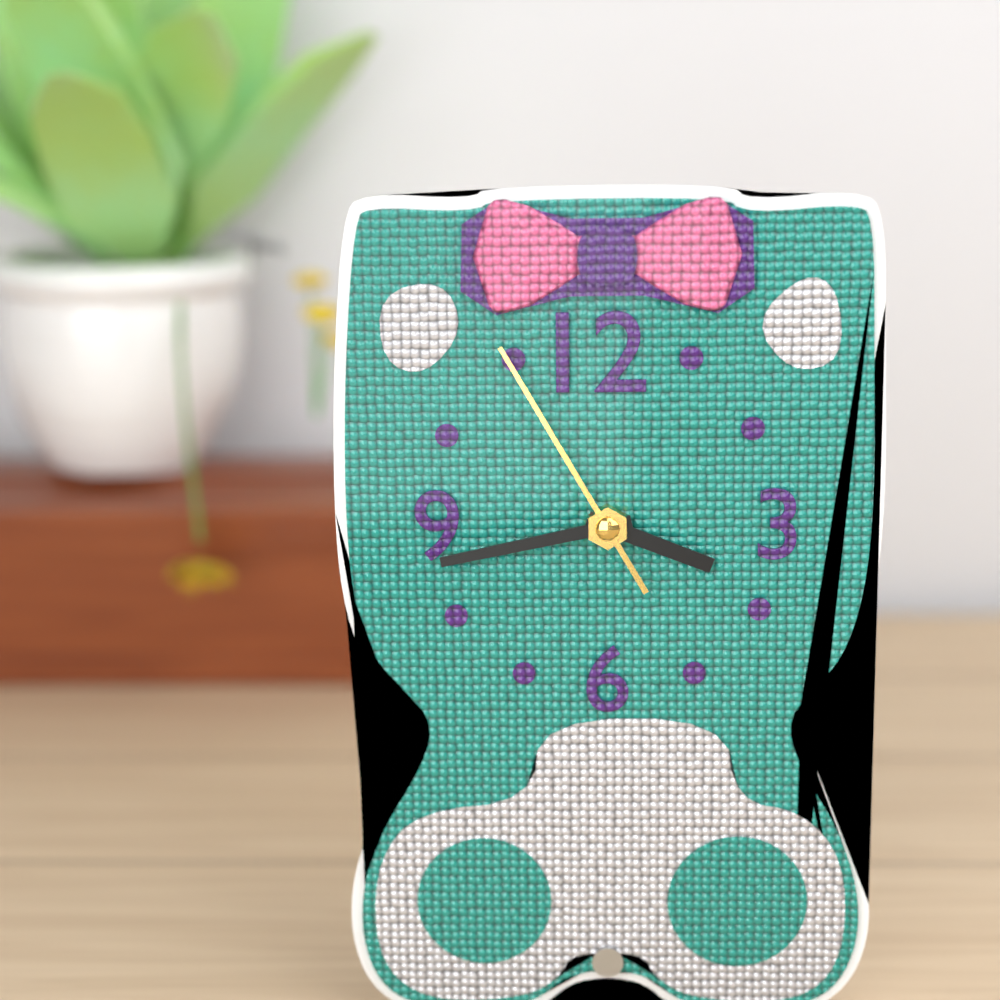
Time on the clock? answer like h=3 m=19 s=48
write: h=3 m=43 s=55
